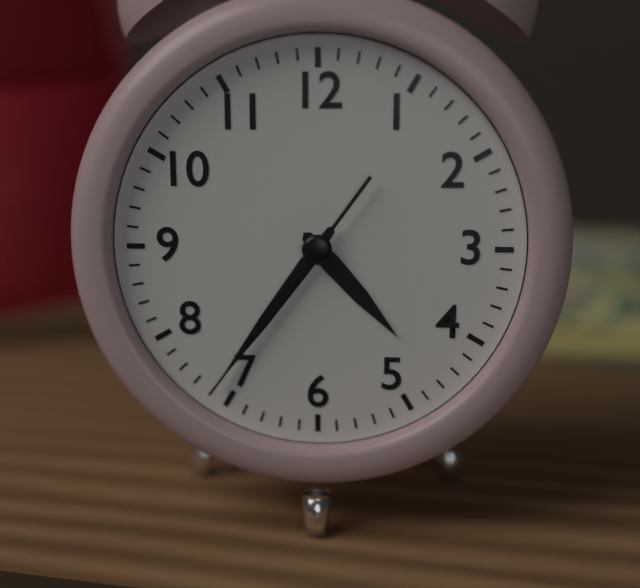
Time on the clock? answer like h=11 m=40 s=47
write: h=4 m=36 s=36
